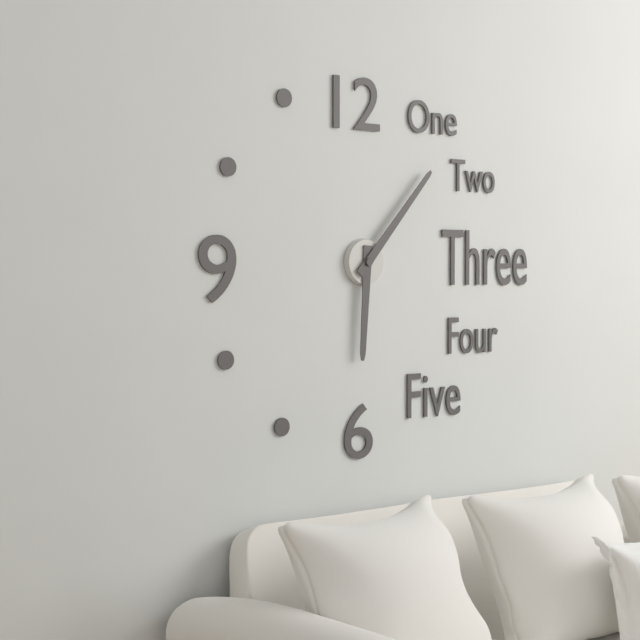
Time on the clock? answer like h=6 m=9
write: h=6 m=7
